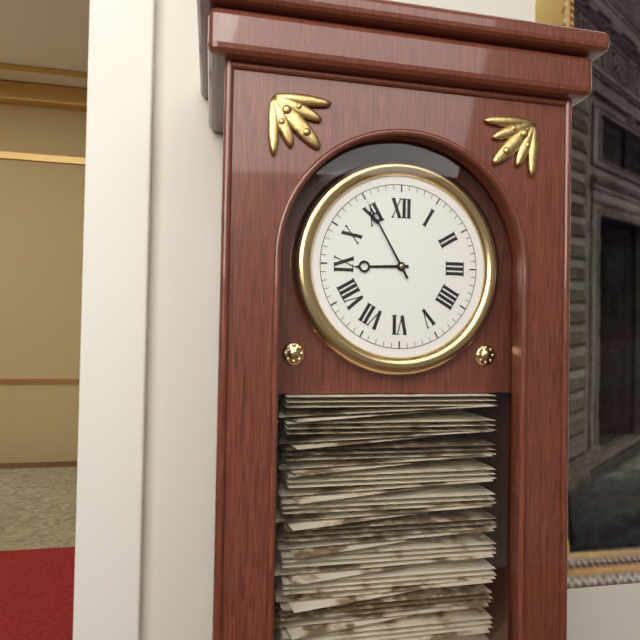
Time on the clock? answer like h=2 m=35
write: h=8 m=55
